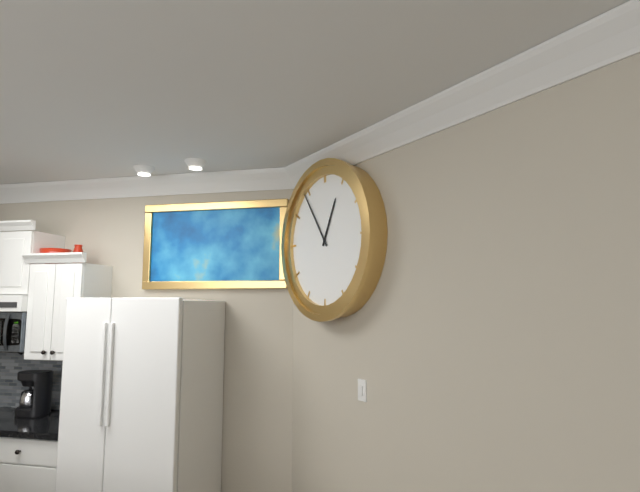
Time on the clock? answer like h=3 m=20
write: h=12 m=54
